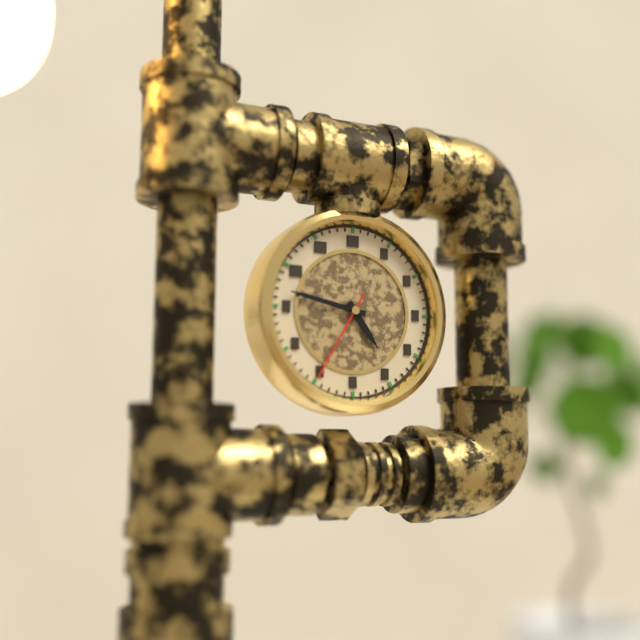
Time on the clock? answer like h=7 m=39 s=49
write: h=4 m=47 s=35
